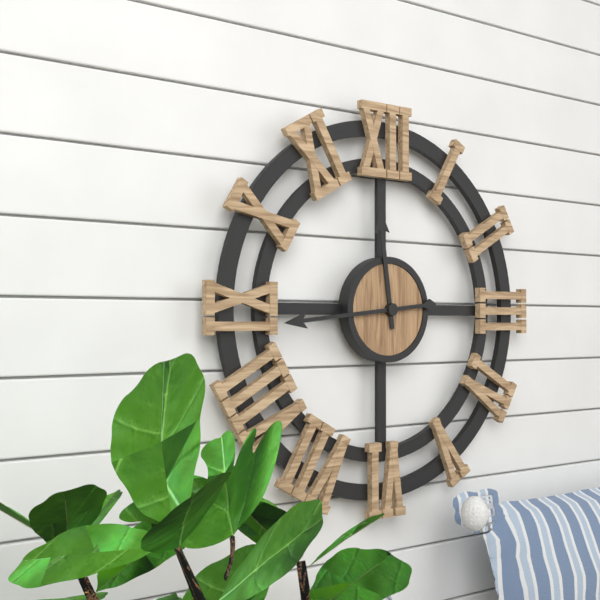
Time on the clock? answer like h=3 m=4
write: h=11 m=44
